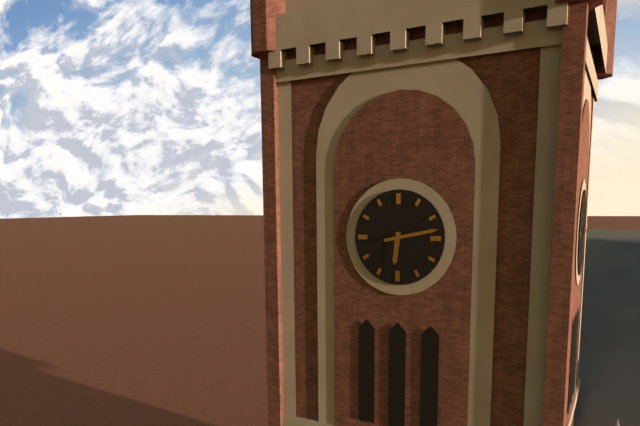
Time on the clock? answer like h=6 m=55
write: h=6 m=13
